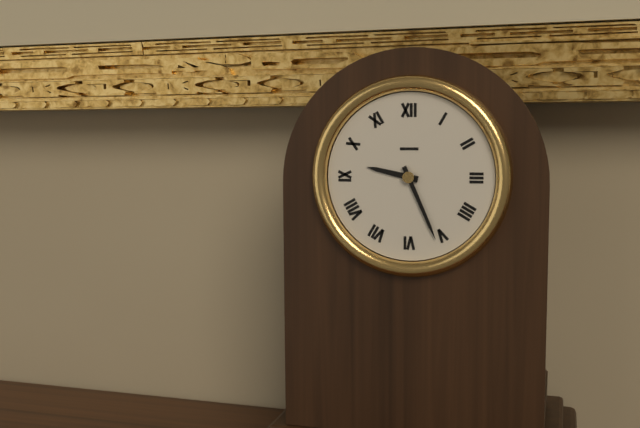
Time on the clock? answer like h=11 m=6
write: h=9 m=26
